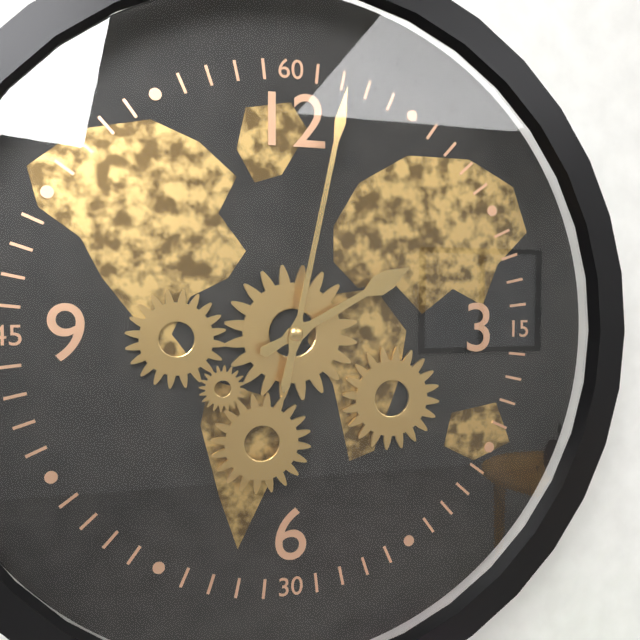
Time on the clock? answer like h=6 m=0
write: h=2 m=2
